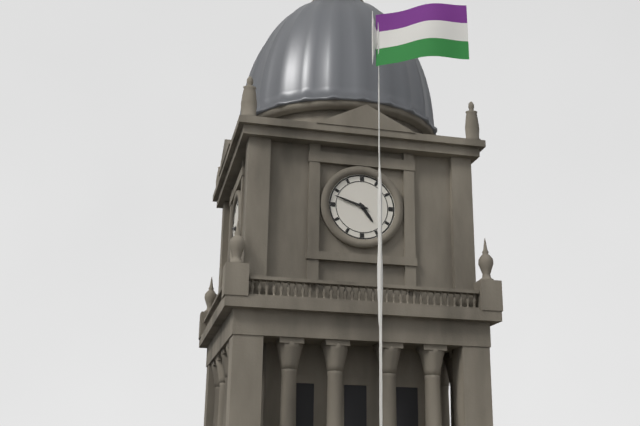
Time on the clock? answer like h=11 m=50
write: h=4 m=48
